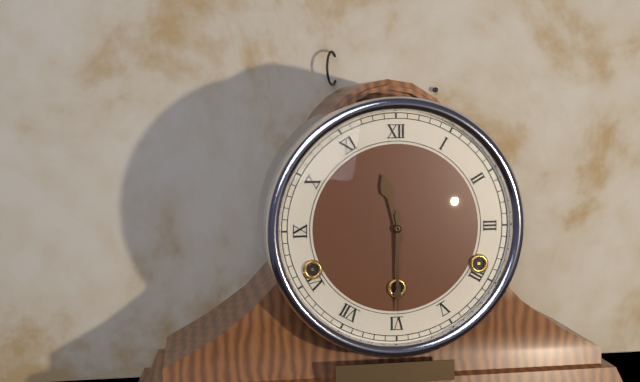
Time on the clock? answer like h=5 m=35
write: h=11 m=30
